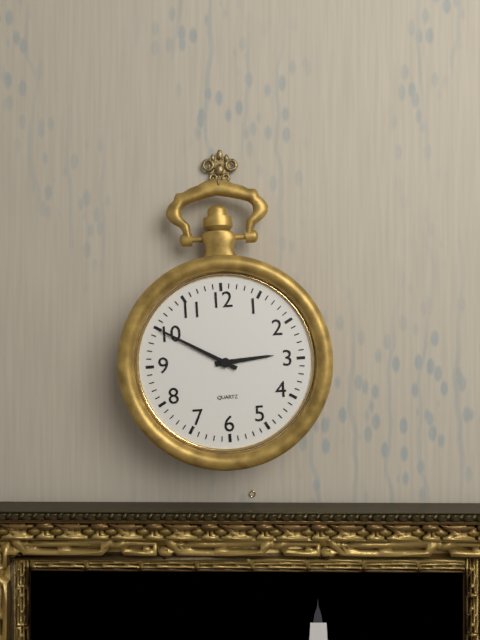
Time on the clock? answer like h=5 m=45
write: h=2 m=50
